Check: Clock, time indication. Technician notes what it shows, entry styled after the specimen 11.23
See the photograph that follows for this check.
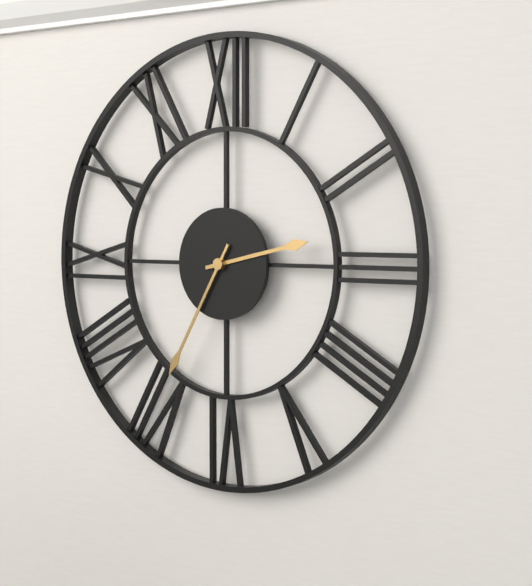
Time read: 2.35
